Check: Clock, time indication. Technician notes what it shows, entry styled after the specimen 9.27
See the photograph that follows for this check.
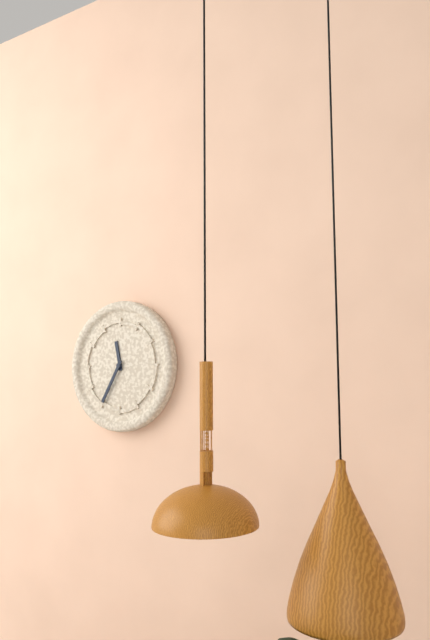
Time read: 11.35
